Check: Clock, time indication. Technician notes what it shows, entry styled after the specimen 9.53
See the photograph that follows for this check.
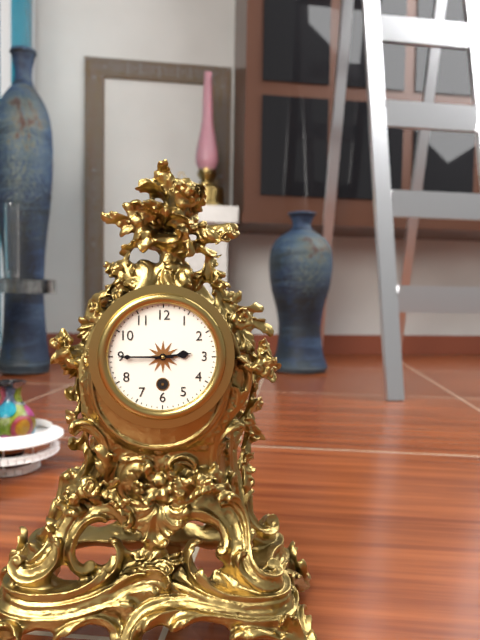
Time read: 2.45
